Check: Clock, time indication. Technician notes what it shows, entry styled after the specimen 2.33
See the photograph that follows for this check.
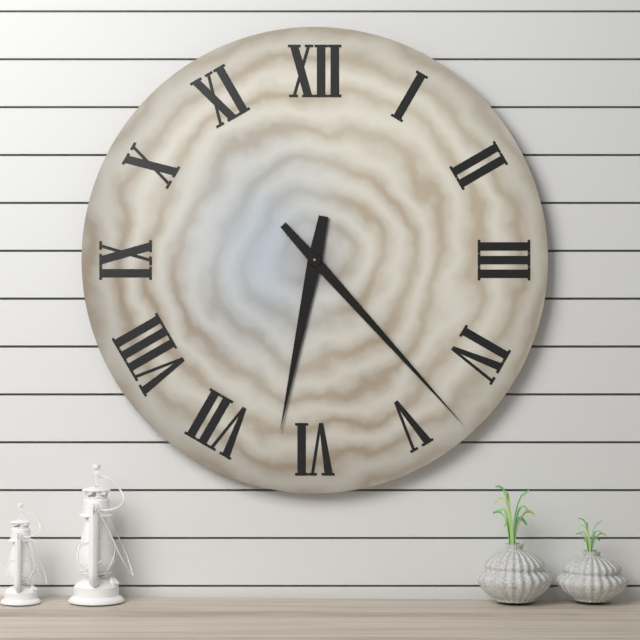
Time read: 6.23
